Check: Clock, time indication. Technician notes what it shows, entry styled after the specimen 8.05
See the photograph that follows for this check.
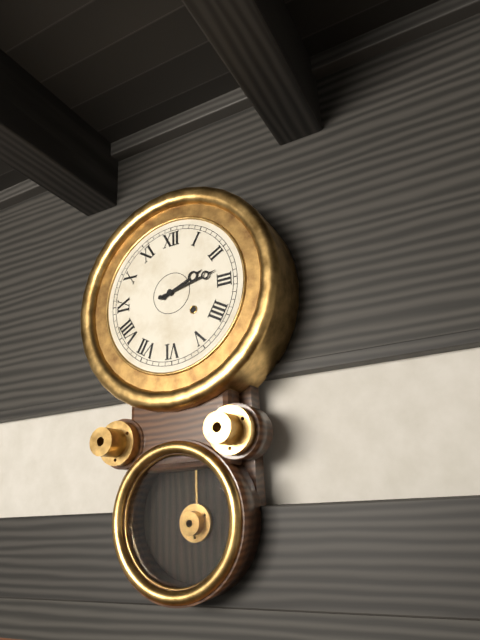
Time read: 2.13
